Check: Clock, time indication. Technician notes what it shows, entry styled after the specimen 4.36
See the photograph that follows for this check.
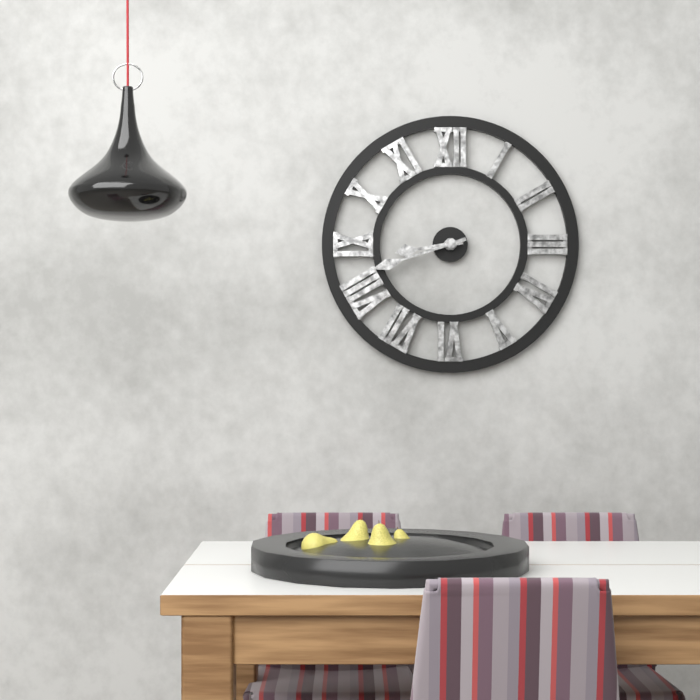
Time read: 8.42
